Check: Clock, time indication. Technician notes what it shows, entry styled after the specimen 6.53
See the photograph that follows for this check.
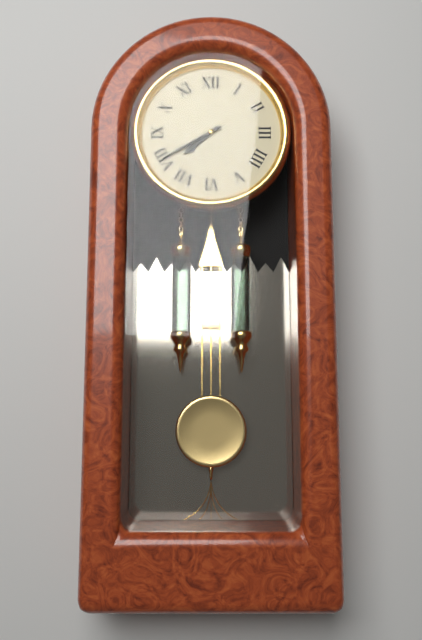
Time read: 7.40
